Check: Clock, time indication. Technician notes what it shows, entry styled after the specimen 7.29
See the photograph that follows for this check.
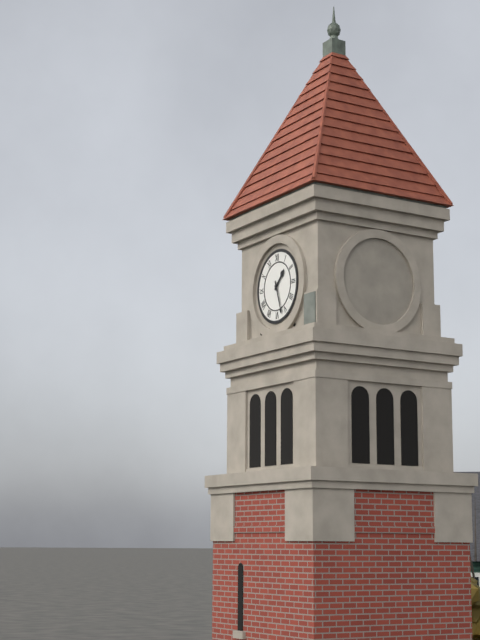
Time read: 1.27
